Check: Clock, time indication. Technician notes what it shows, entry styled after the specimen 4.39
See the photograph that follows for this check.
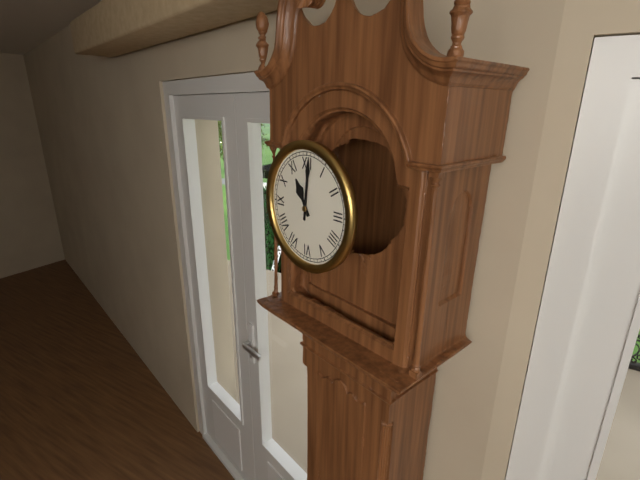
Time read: 11.01
